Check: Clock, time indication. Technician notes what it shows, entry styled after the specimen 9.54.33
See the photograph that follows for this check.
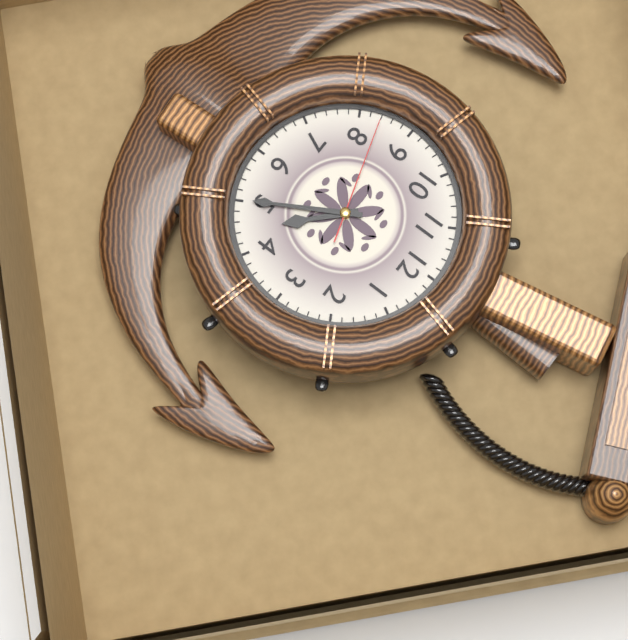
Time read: 4.25.42
